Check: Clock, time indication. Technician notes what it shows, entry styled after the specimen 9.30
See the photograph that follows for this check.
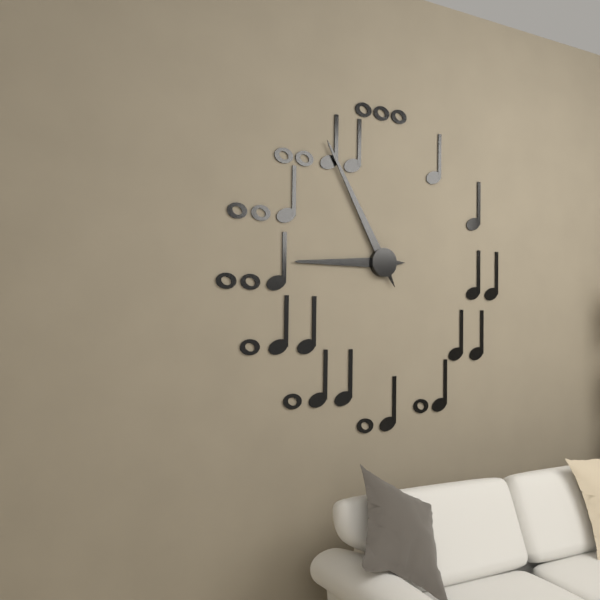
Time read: 8.55
